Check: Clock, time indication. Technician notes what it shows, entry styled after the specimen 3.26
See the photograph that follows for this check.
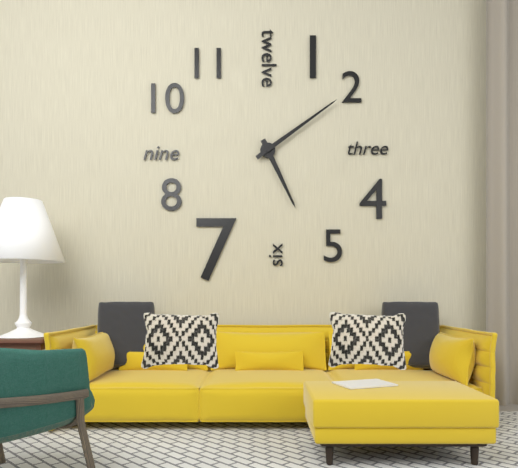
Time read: 5.09
